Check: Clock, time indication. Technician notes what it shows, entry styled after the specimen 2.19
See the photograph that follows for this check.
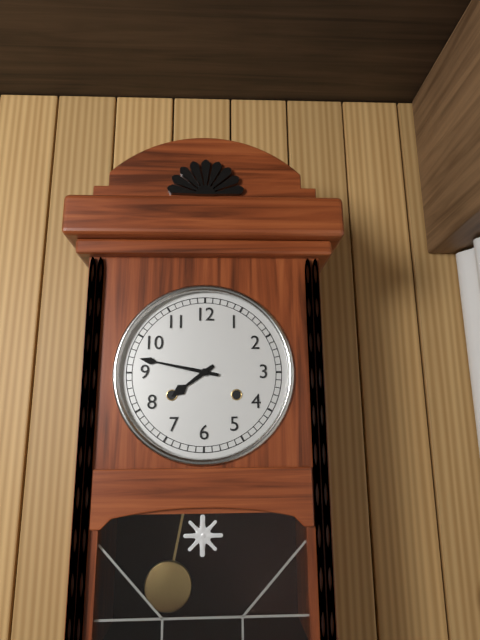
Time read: 7.47
